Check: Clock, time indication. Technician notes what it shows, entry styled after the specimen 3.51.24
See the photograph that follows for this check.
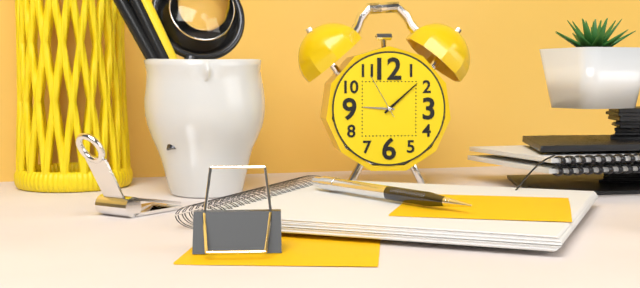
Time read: 9.08.55
